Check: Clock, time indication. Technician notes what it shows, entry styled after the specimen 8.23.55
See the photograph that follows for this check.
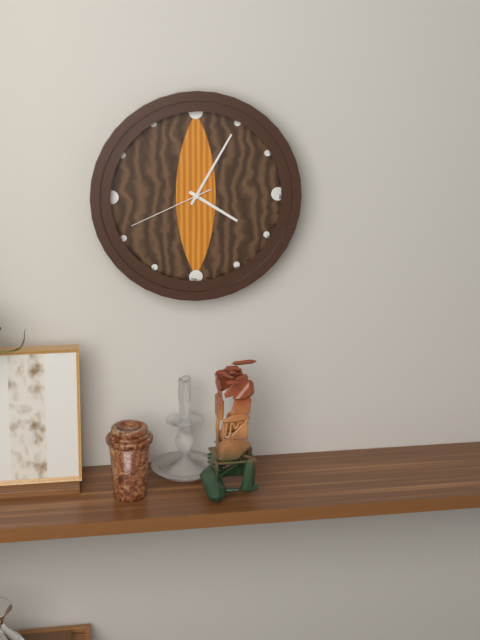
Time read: 4.05.41
